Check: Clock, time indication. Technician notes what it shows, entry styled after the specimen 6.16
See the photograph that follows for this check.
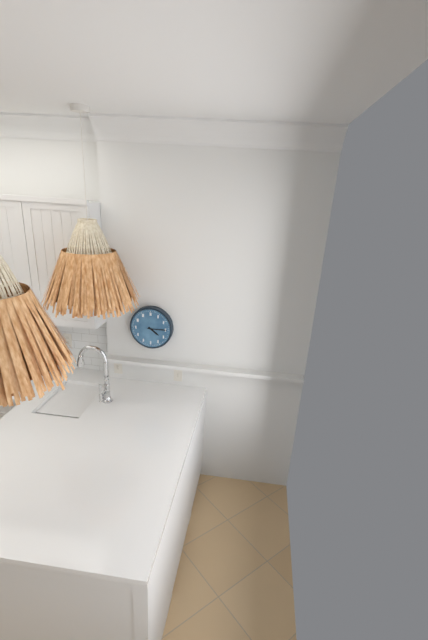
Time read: 4.15
